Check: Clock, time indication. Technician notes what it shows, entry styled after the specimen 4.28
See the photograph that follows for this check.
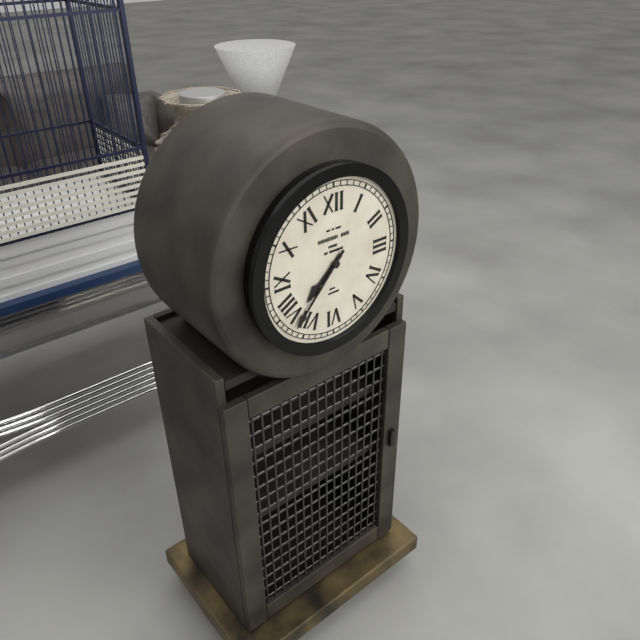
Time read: 7.37
